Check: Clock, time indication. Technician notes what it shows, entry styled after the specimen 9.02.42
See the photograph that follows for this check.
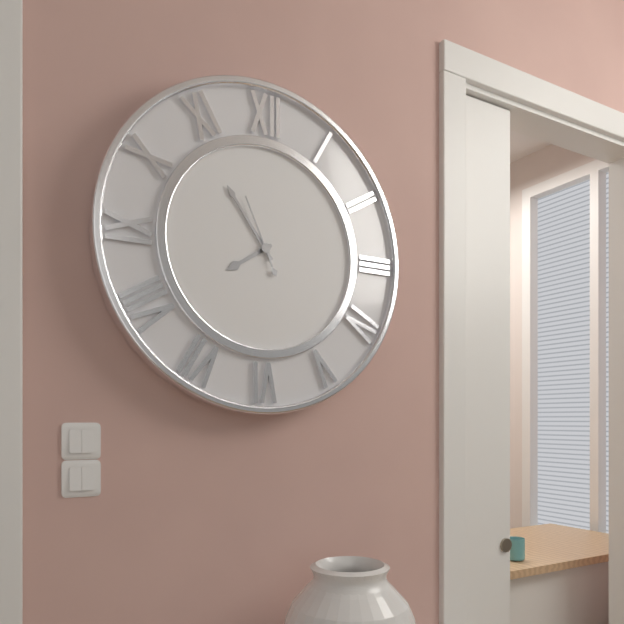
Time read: 7.54.56
